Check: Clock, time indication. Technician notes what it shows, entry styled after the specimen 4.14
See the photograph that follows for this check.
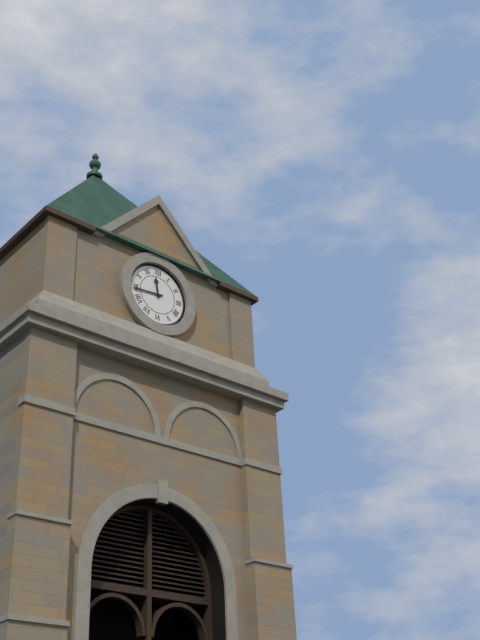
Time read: 11.44
